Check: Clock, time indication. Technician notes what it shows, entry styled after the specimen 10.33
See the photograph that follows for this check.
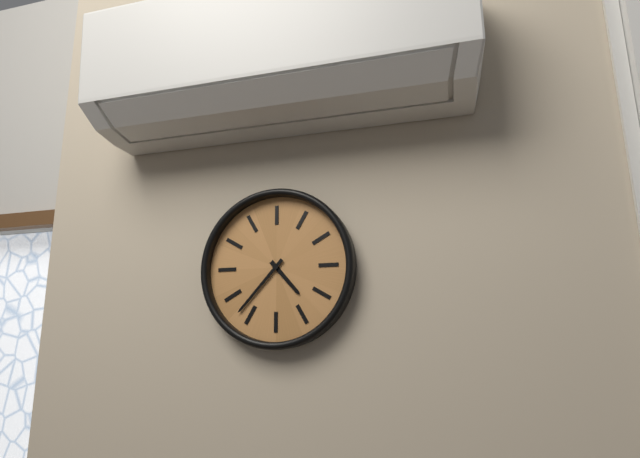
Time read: 4.37
